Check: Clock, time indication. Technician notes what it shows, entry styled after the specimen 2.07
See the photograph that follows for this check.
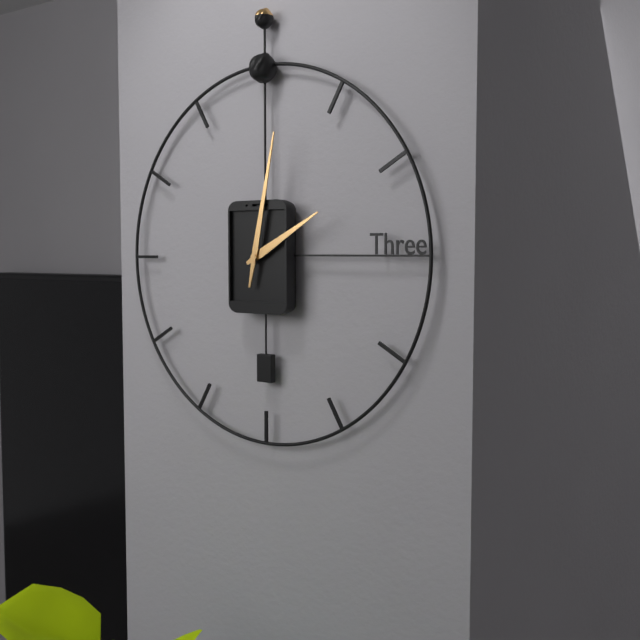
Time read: 2.02
